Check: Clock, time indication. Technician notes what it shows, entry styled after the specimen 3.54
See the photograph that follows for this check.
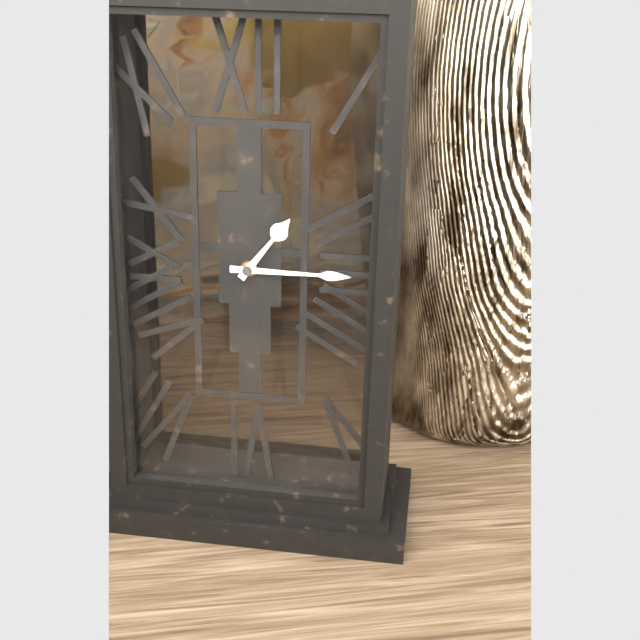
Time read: 1.15
